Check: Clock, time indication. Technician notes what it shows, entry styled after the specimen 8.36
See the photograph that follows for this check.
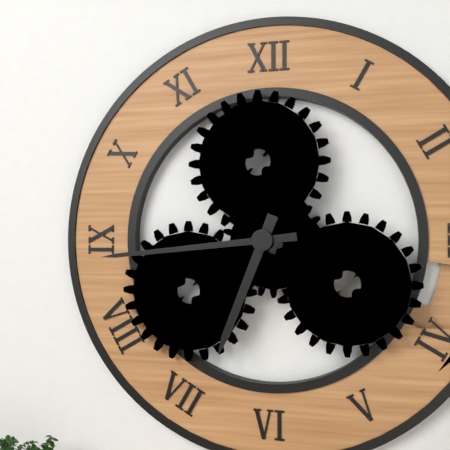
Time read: 6.44
